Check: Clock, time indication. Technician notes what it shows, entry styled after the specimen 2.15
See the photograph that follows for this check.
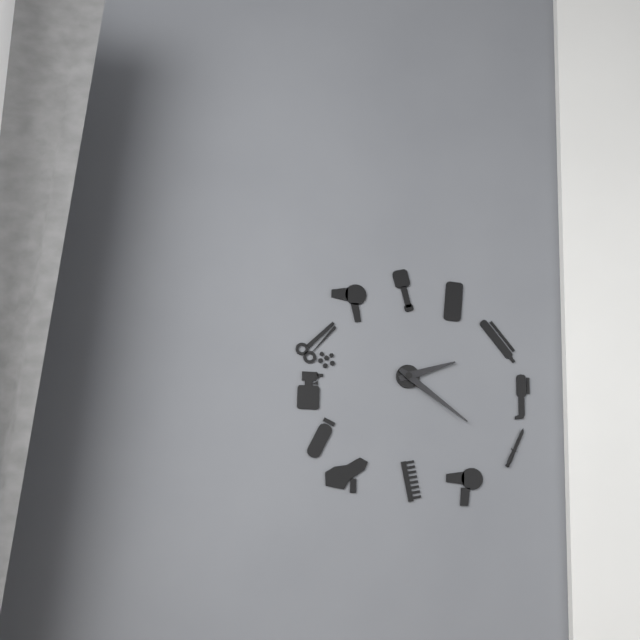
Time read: 2.21
